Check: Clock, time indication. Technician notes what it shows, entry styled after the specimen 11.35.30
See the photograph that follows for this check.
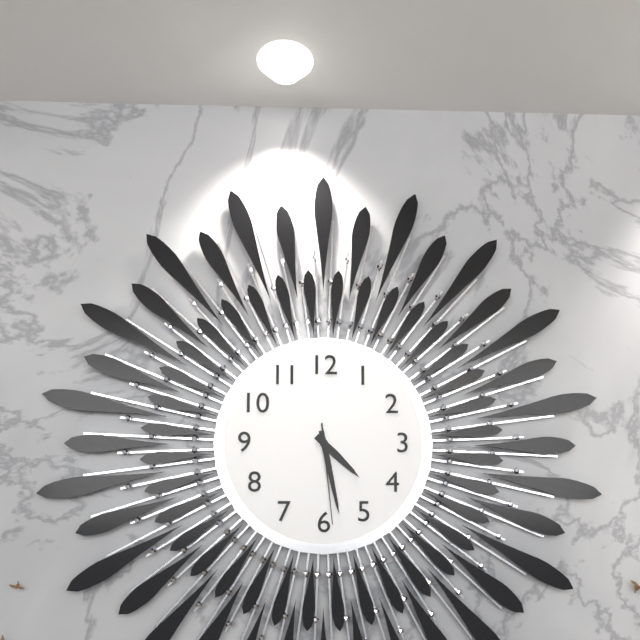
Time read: 4.28.29
